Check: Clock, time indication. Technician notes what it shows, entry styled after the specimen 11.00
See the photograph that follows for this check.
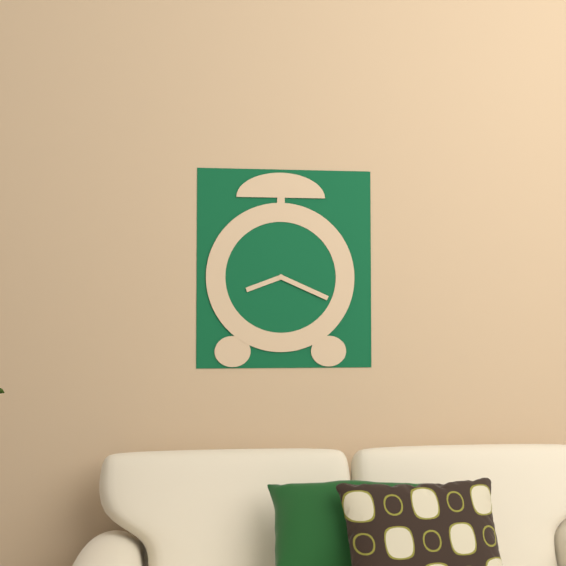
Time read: 8.19
